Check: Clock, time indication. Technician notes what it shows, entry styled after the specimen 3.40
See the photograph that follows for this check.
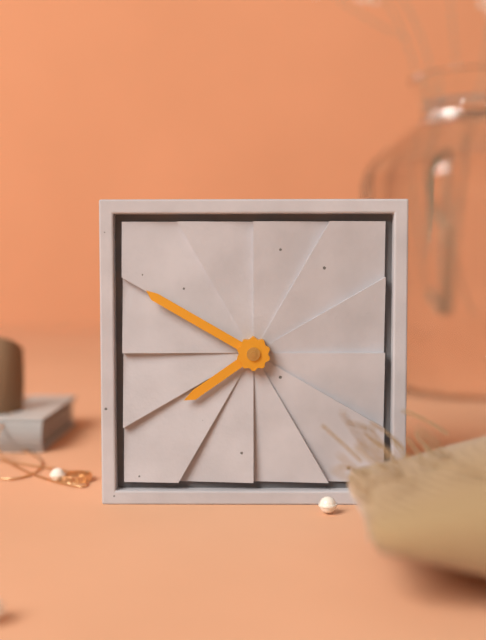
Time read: 7.50
